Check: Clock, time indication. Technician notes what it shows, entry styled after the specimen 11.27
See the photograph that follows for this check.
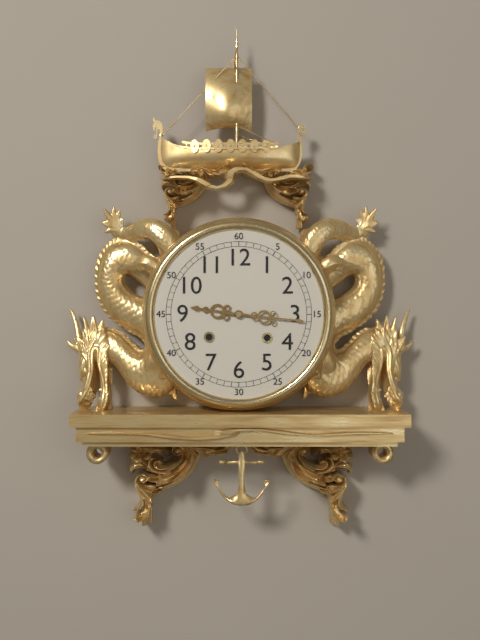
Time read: 9.16
